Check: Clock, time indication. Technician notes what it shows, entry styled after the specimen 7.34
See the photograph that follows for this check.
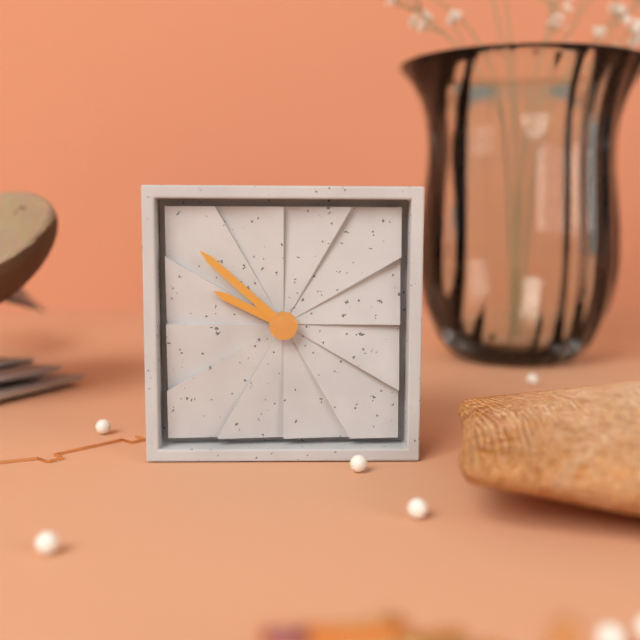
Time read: 9.52
